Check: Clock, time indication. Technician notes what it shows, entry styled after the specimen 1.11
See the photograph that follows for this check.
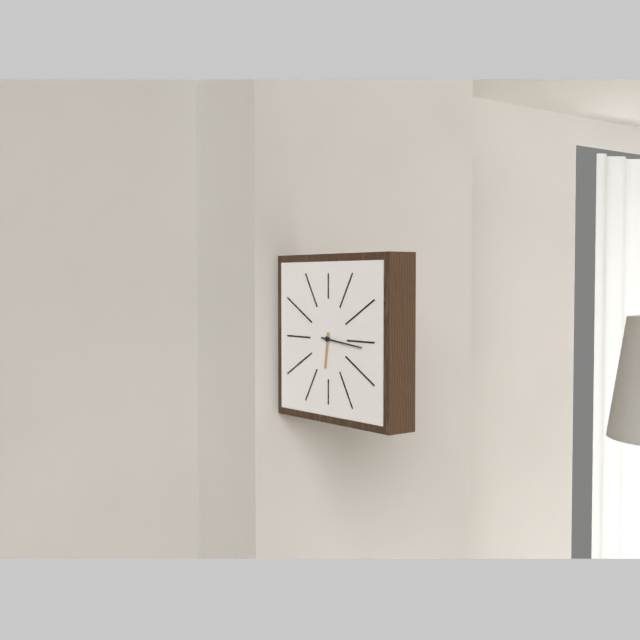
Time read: 6.16
